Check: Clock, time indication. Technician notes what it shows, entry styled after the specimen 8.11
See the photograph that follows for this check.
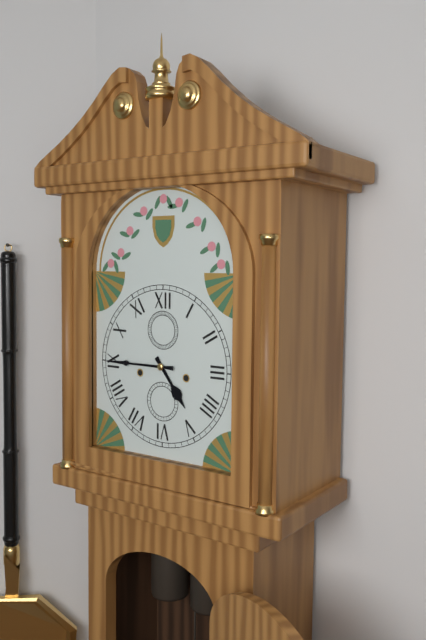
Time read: 4.45
